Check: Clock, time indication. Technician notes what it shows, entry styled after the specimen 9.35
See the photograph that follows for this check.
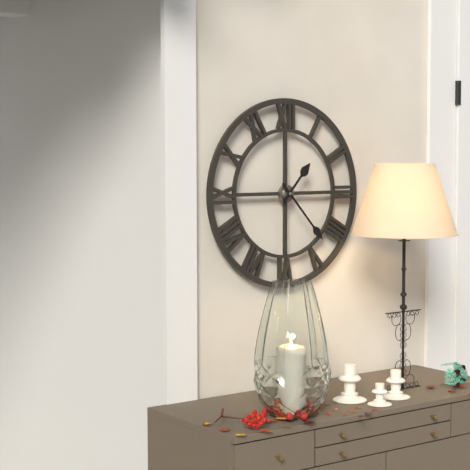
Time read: 1.23
